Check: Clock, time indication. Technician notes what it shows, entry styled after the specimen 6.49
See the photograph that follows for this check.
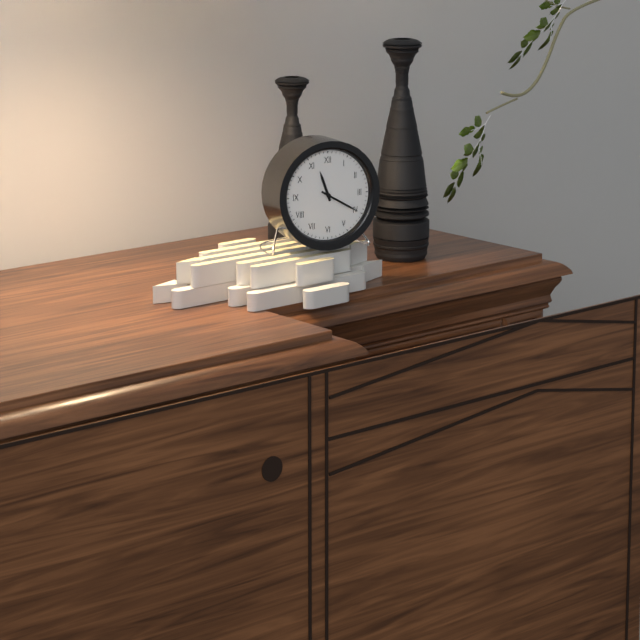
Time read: 11.20
